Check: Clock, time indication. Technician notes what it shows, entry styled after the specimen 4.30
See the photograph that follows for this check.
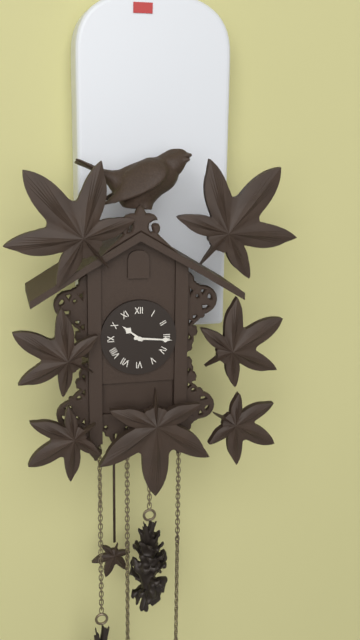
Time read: 10.16
